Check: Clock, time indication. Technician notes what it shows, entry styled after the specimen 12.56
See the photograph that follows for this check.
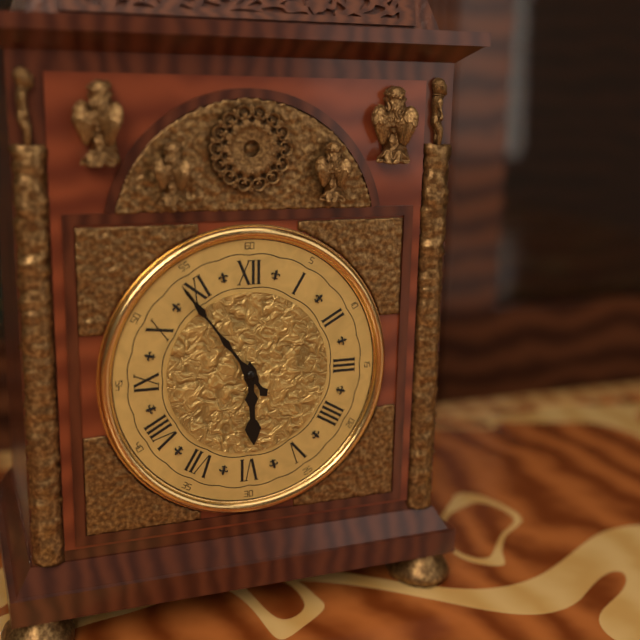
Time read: 5.54
